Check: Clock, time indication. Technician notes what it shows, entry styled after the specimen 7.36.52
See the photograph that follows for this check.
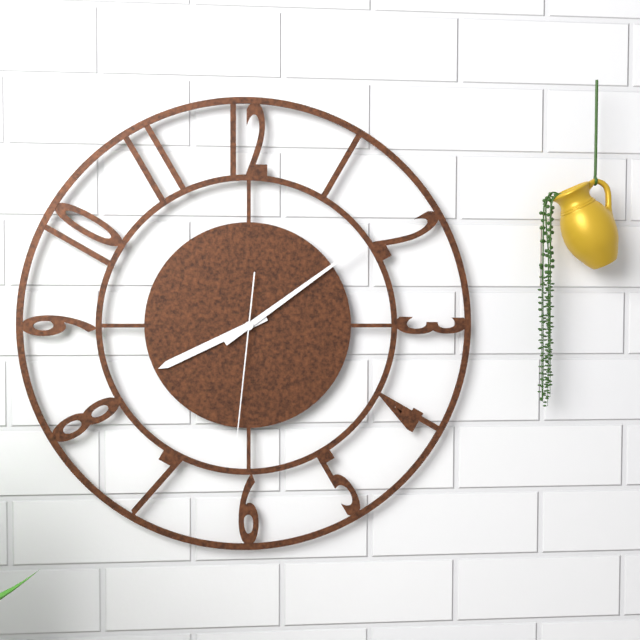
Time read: 8.09.31
